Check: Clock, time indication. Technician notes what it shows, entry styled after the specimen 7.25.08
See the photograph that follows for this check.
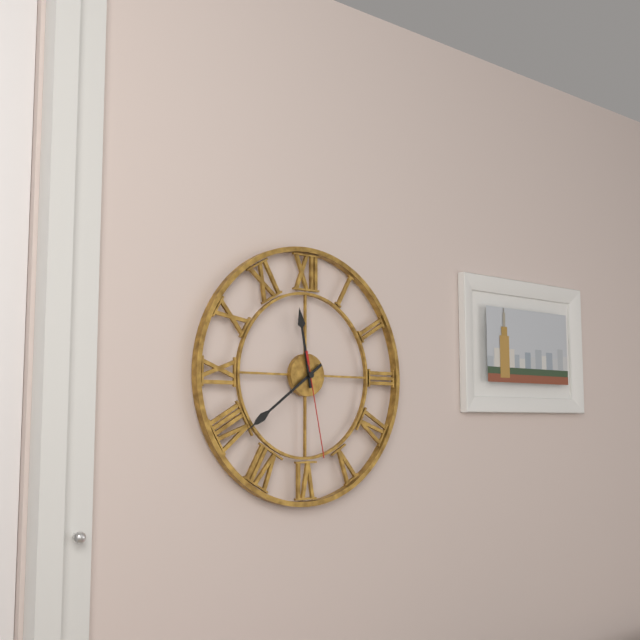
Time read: 11.39.28
